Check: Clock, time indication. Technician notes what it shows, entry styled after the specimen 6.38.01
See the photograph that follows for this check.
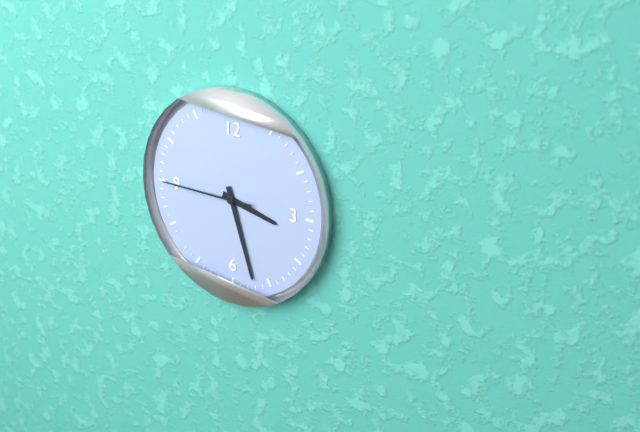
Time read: 3.27.45
